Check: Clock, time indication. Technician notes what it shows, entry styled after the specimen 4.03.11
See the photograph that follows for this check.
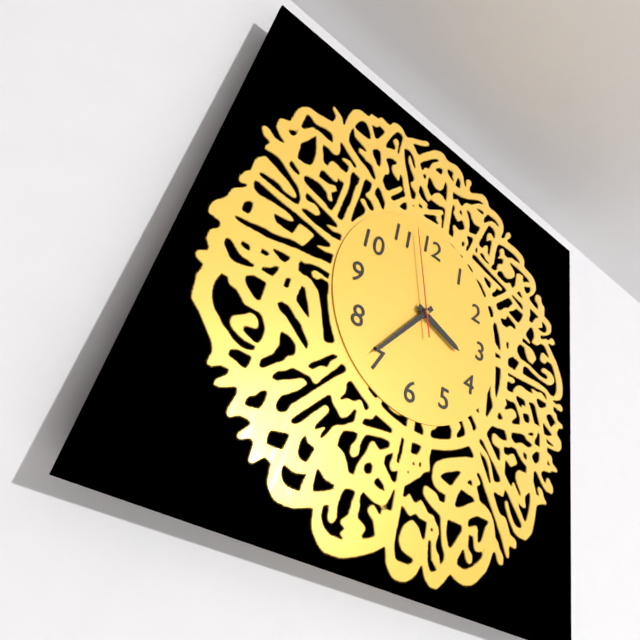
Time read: 3.36.57
